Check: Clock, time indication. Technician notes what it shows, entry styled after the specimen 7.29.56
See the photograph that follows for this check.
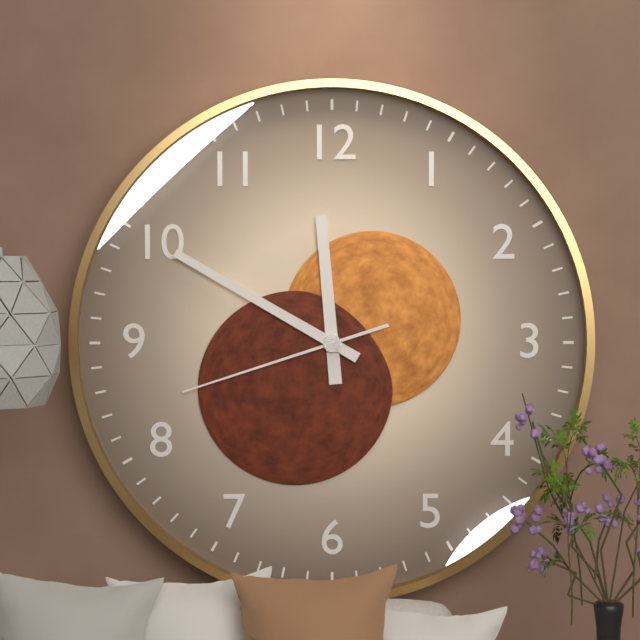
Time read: 11.50.42
